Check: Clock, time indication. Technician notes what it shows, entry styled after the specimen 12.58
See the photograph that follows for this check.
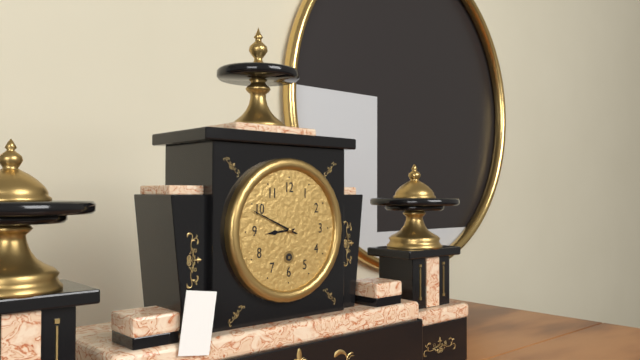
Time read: 8.49
